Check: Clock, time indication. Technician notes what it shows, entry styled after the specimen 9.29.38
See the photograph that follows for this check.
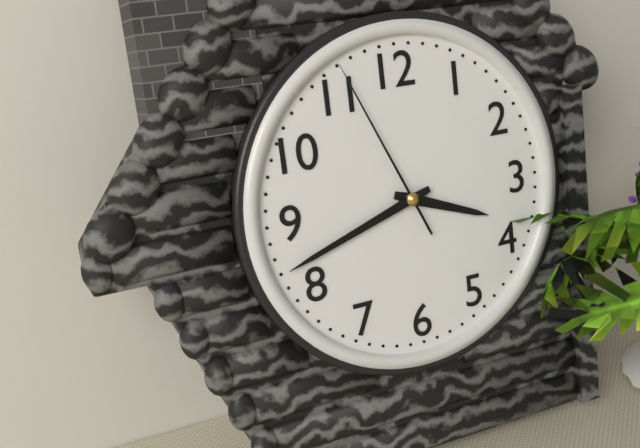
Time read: 3.42.56
